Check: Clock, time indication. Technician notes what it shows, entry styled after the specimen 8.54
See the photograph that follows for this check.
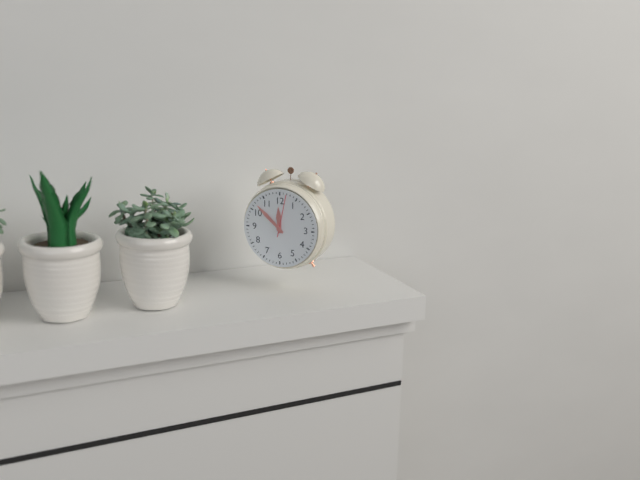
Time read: 11.52
